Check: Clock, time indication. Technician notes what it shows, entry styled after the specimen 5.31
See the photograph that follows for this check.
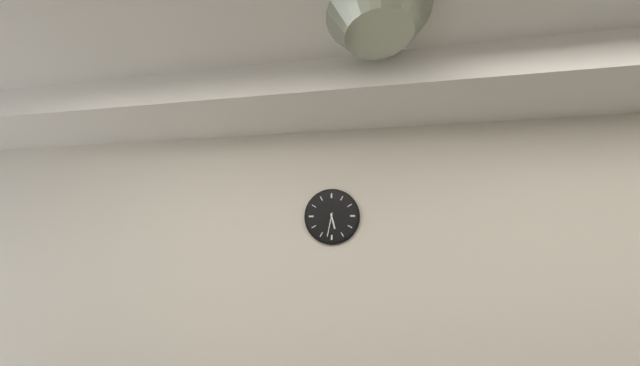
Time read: 5.32
